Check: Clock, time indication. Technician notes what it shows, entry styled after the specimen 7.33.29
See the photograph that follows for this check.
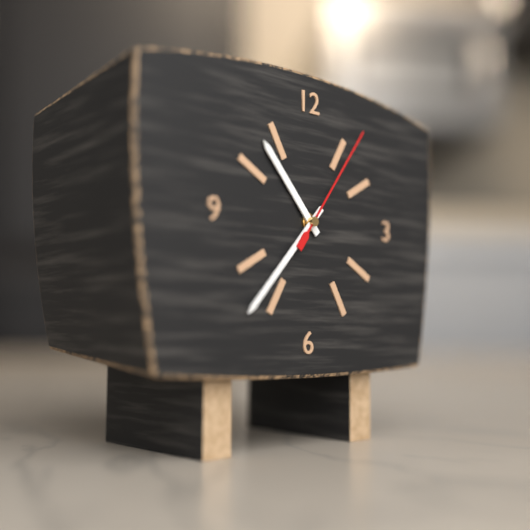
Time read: 10.37.06
